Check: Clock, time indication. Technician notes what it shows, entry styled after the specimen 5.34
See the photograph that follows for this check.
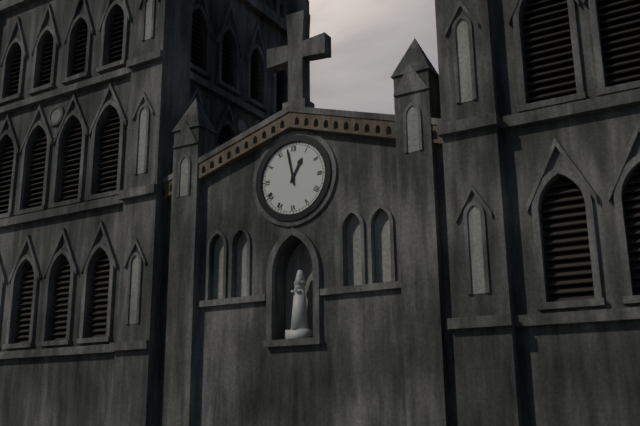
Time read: 12.58
